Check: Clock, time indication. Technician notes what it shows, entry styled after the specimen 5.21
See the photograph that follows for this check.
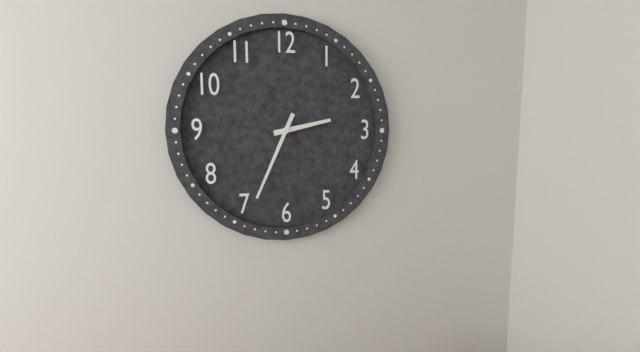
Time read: 2.34
